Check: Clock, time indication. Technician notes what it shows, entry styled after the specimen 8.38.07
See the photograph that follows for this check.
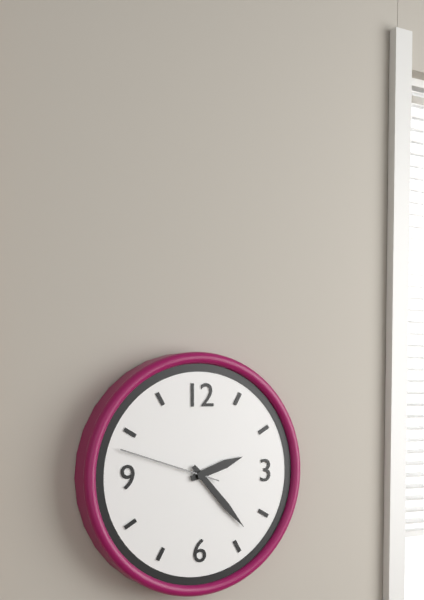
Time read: 2.23.48
